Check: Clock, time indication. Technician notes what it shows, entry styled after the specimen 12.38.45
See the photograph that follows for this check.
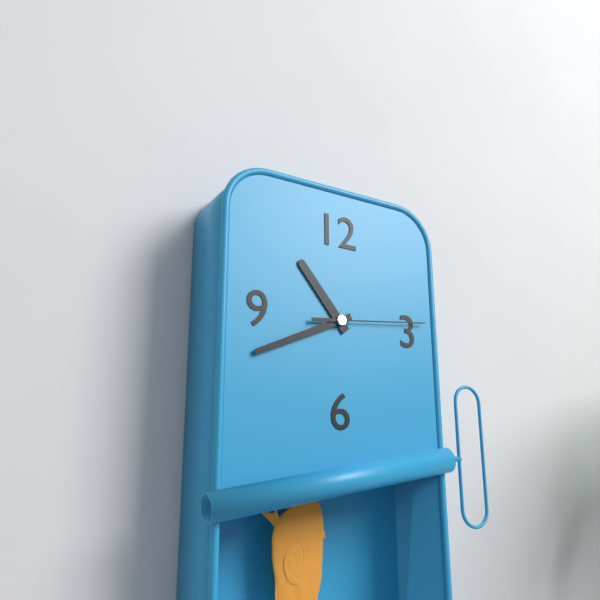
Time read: 10.41.14
